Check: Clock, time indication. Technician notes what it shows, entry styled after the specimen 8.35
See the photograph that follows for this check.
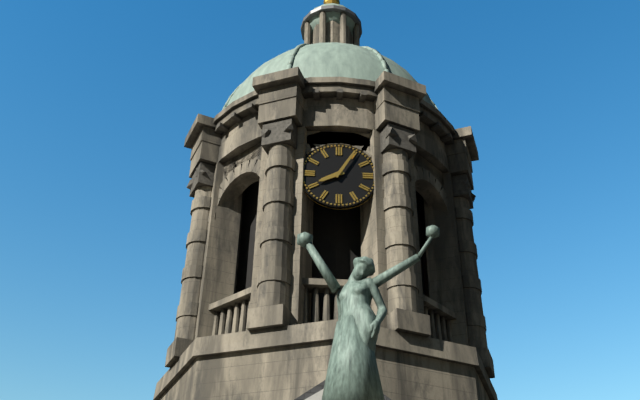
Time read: 8.05
